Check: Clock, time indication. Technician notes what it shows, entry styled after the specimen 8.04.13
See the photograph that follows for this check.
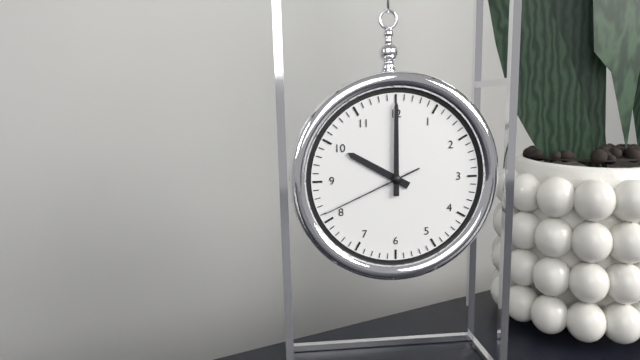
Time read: 10.00.41
